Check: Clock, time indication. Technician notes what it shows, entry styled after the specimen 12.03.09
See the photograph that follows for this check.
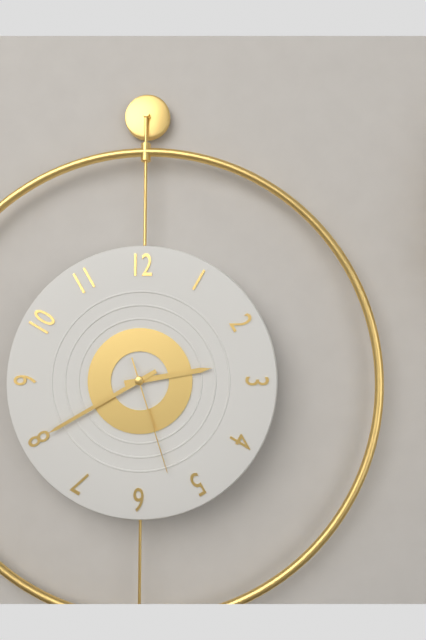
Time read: 2.40.27
